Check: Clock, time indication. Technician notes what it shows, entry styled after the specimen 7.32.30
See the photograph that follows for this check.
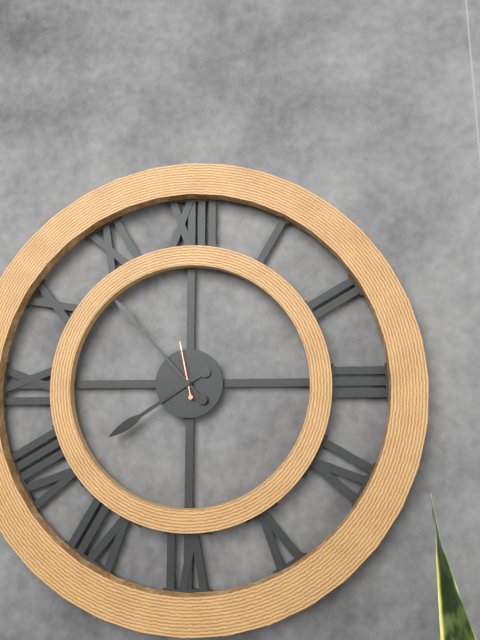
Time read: 7.53.58
